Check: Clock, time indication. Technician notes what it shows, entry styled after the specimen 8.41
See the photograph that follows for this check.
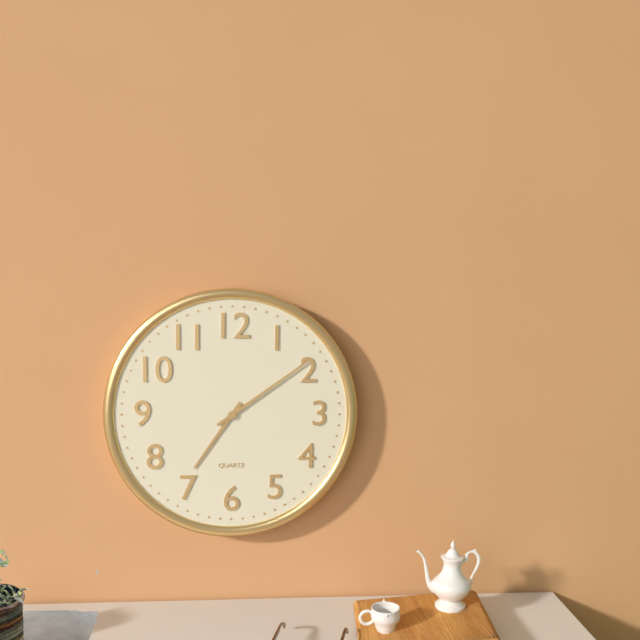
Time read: 7.09
